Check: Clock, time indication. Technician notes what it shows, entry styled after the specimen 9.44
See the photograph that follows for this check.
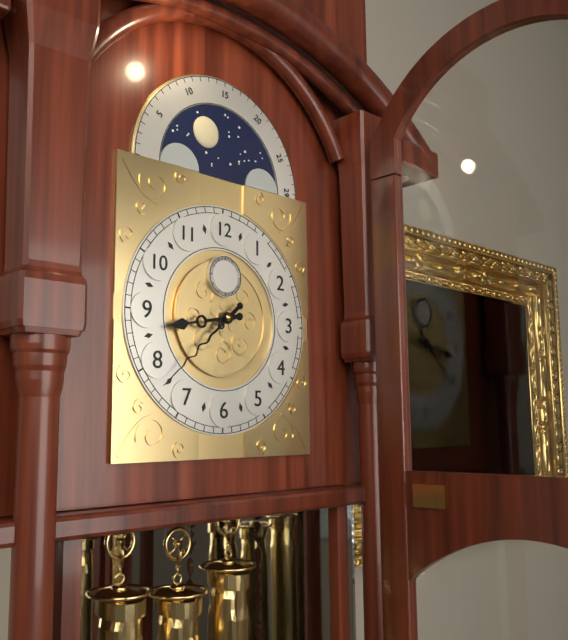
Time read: 8.38
